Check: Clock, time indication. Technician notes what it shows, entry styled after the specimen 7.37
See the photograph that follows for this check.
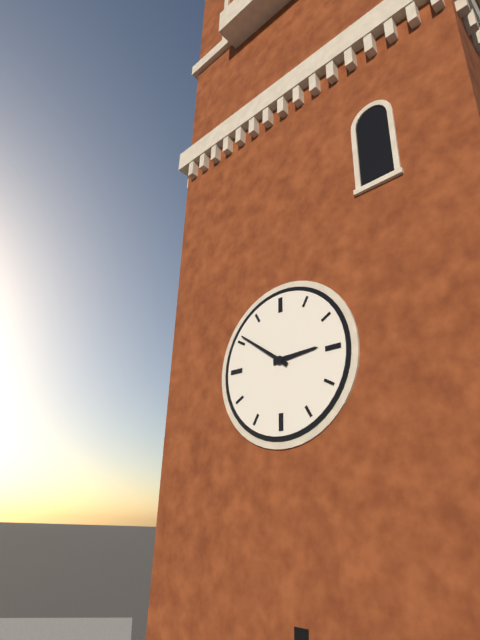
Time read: 2.51
